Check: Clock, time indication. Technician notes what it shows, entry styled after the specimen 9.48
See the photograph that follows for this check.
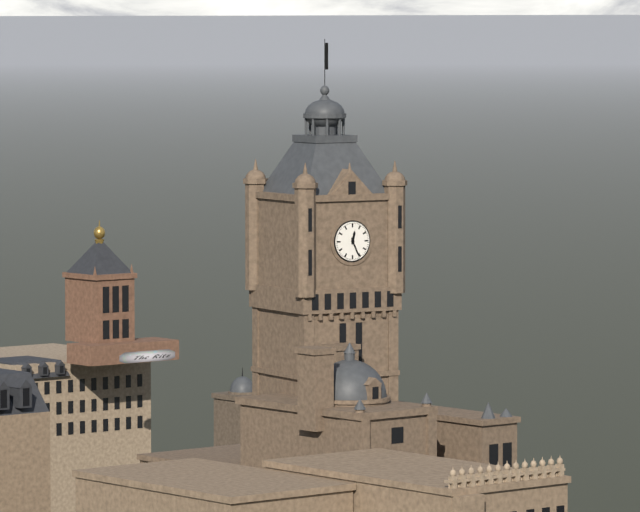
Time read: 12.26
